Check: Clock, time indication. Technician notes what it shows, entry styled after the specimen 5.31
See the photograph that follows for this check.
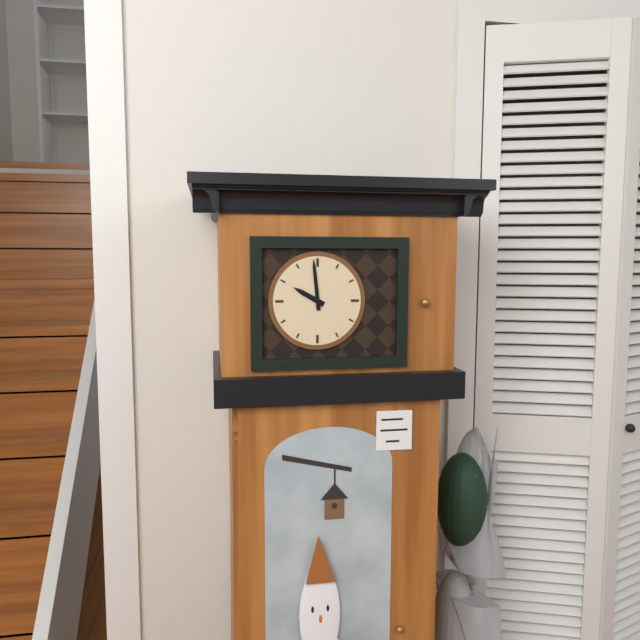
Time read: 9.59
